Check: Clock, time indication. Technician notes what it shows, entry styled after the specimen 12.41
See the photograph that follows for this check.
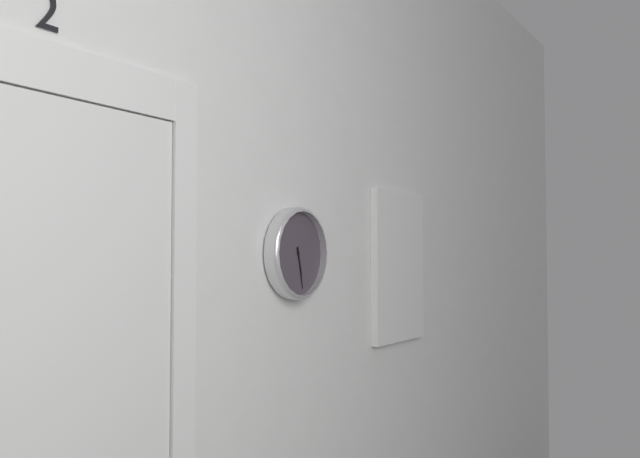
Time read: 5.28
